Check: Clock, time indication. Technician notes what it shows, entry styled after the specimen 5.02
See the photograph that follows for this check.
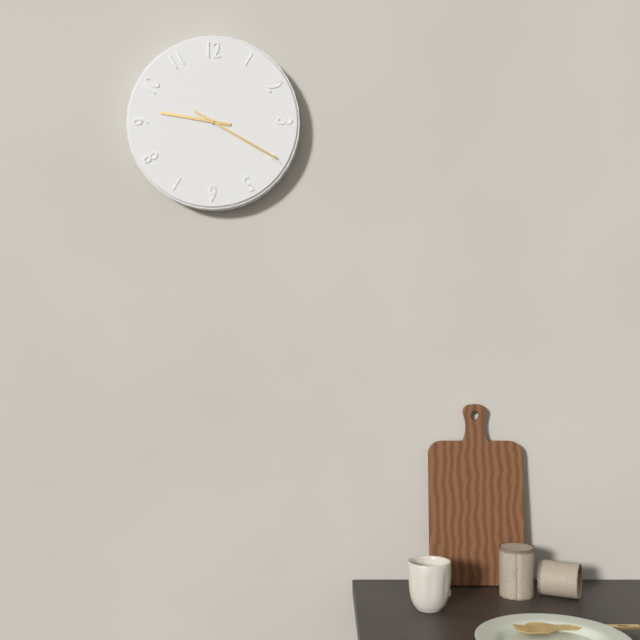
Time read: 9.20
